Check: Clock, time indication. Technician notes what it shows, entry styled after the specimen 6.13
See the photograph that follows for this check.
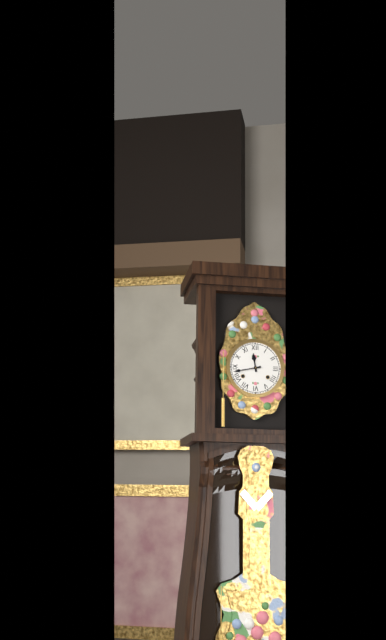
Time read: 11.43
